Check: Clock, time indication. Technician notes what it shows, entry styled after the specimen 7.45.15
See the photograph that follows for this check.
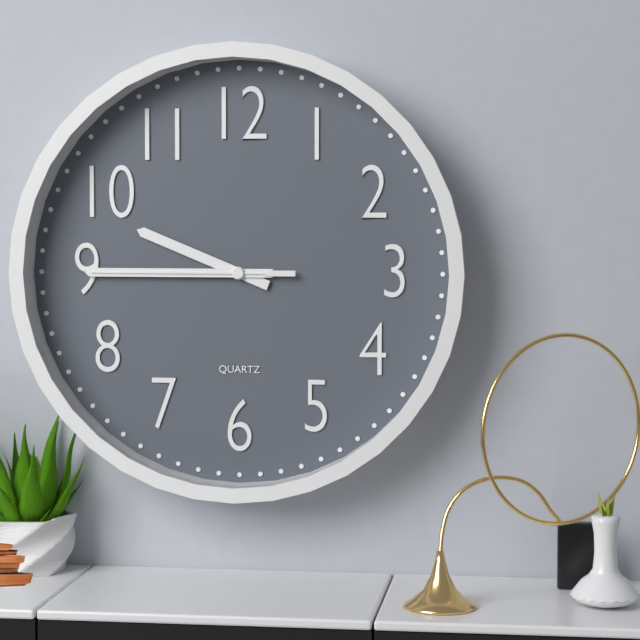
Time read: 9.45.45
